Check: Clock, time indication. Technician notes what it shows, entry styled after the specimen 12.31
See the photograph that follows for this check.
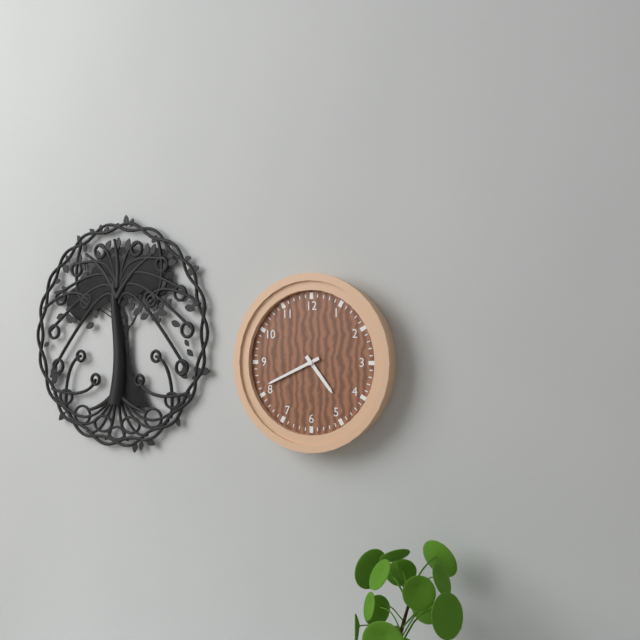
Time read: 4.41
